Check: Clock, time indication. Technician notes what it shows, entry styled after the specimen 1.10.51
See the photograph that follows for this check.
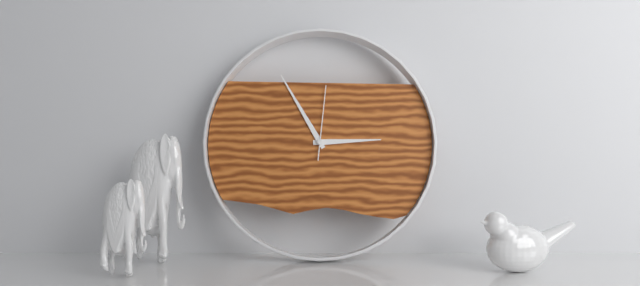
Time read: 2.55.01
